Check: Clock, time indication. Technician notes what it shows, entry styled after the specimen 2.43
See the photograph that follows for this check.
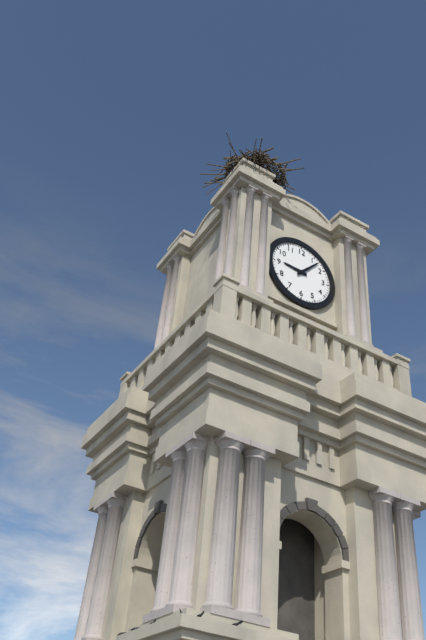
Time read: 9.07
